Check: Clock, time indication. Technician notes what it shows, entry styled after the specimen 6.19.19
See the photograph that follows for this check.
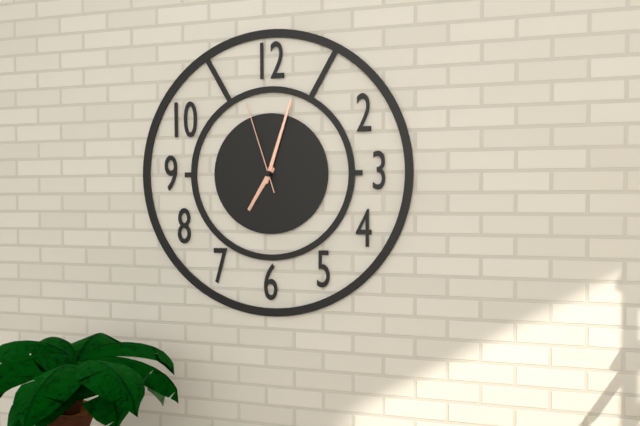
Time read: 7.03.57
